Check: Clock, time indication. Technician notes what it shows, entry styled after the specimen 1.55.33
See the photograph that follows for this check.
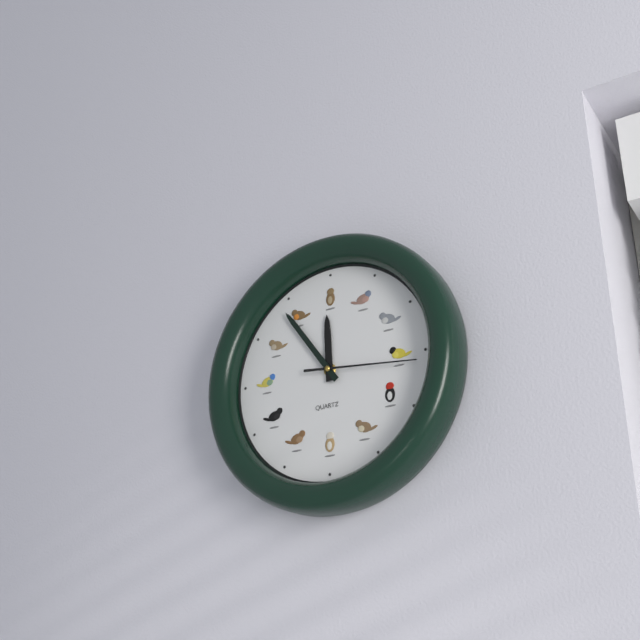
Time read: 11.54.16
